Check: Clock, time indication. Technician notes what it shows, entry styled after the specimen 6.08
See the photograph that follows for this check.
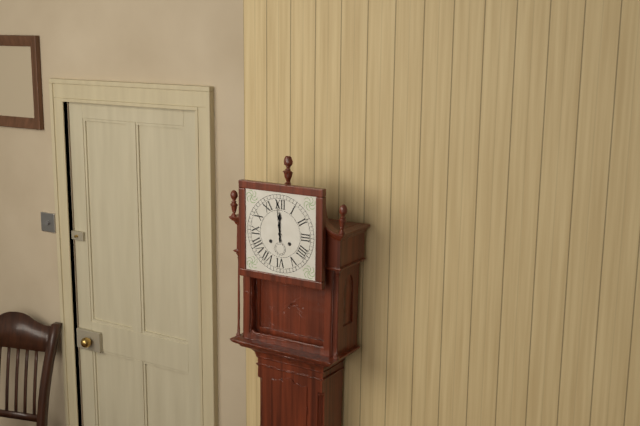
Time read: 11.59
